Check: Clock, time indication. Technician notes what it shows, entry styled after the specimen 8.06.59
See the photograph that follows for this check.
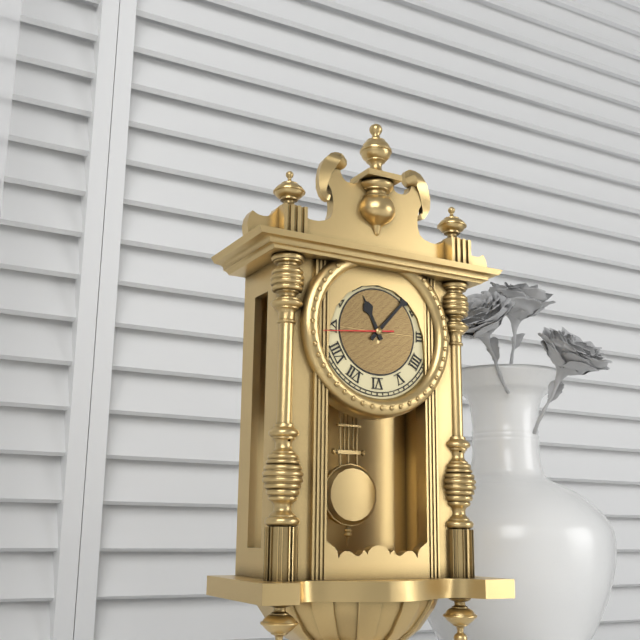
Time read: 11.07.44
